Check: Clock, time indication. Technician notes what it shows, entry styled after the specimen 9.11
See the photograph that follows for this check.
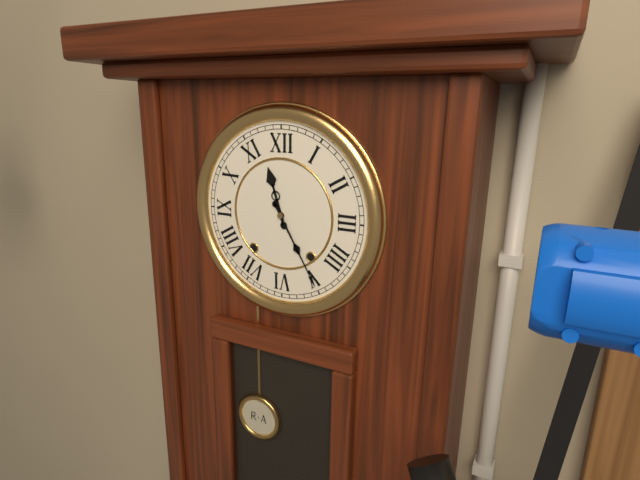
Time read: 11.25
